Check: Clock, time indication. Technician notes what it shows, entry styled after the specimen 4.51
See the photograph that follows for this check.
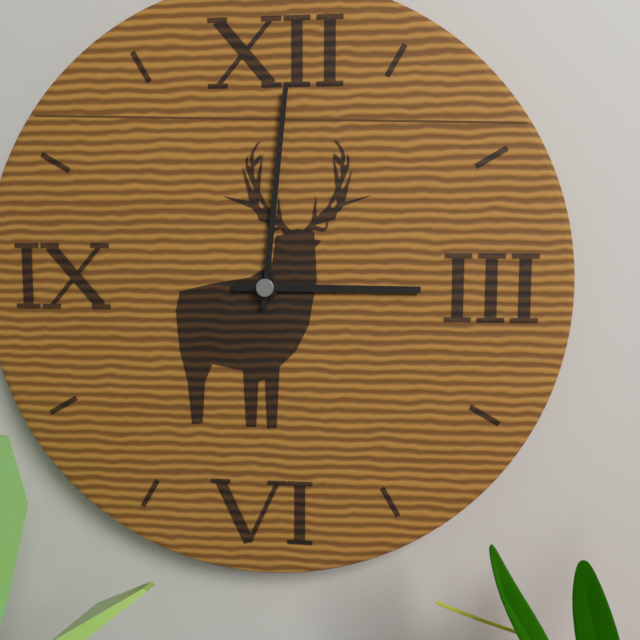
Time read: 3.01
